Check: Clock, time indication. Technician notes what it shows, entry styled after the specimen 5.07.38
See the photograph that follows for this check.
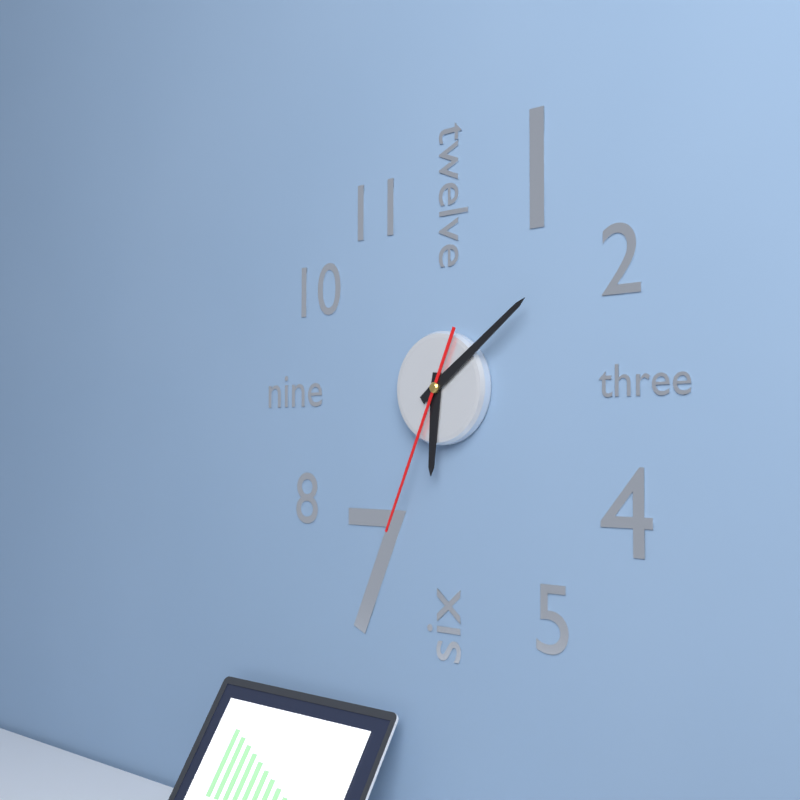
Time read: 6.09.34
